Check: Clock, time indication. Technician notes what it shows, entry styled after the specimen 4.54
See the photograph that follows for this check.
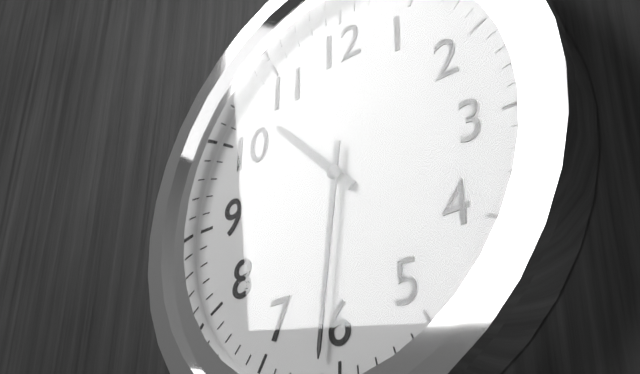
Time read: 10.31
